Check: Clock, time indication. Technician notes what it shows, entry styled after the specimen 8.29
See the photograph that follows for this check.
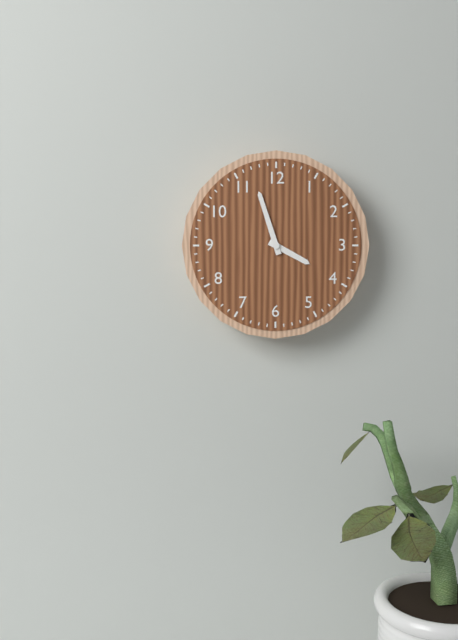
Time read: 3.57
